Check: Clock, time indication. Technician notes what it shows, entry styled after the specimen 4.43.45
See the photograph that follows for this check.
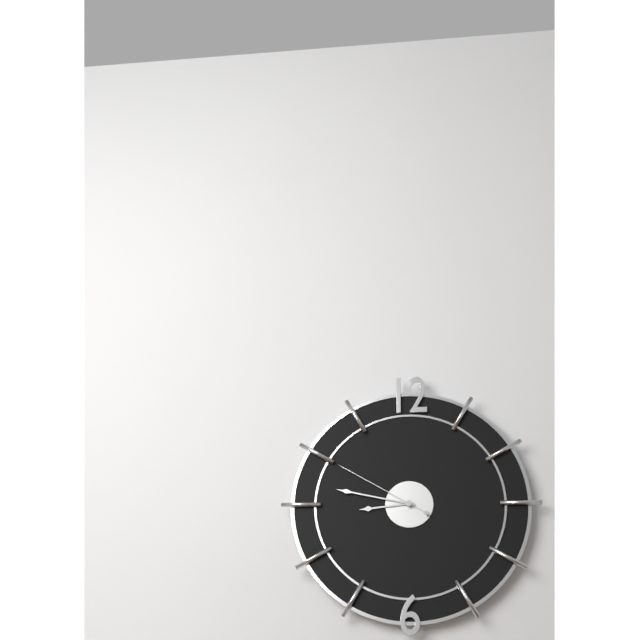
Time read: 8.47.50
